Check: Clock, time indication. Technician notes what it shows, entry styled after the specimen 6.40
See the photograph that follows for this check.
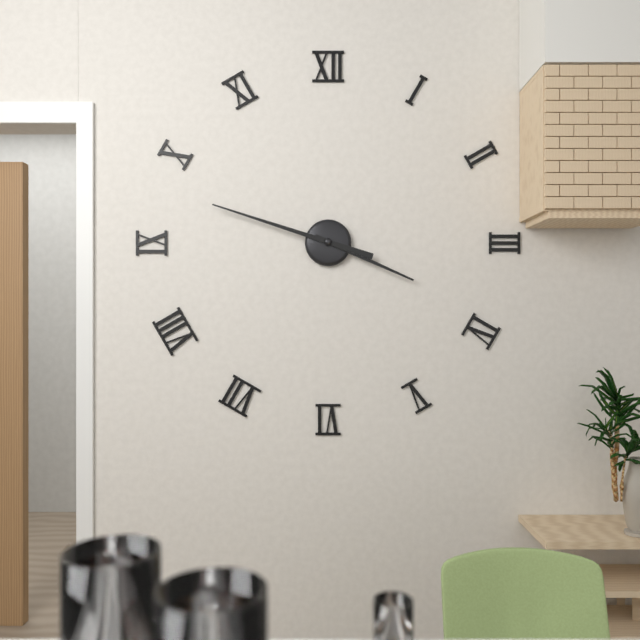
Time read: 3.48
